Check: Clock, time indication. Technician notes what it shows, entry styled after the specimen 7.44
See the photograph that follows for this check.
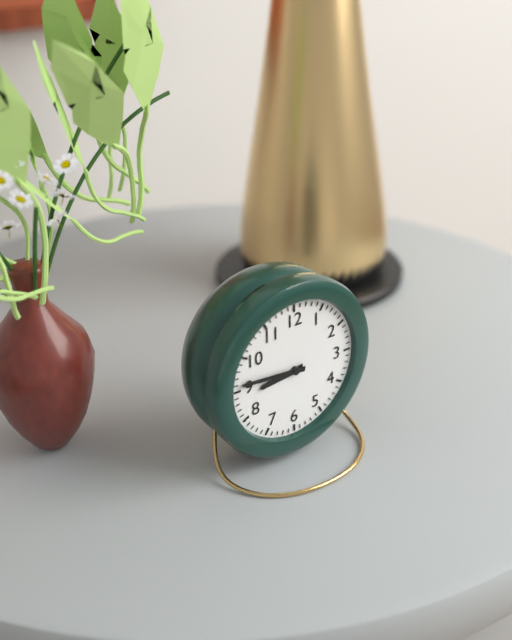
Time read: 8.46
